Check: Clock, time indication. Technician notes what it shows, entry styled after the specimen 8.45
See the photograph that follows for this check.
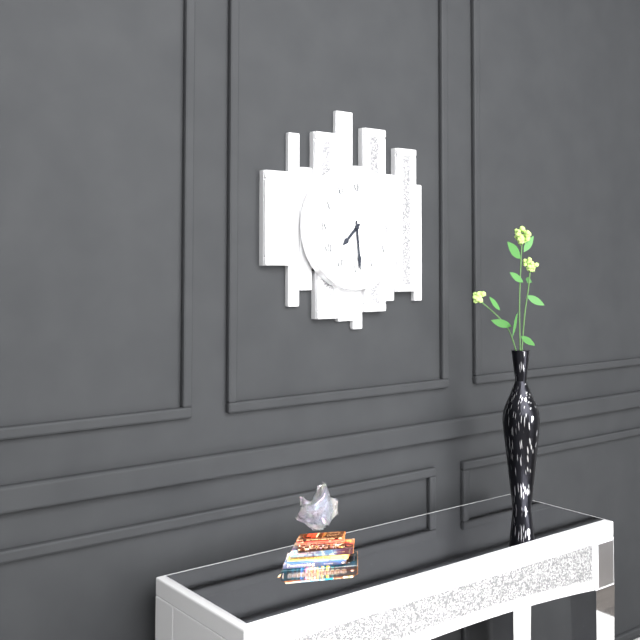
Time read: 7.29
